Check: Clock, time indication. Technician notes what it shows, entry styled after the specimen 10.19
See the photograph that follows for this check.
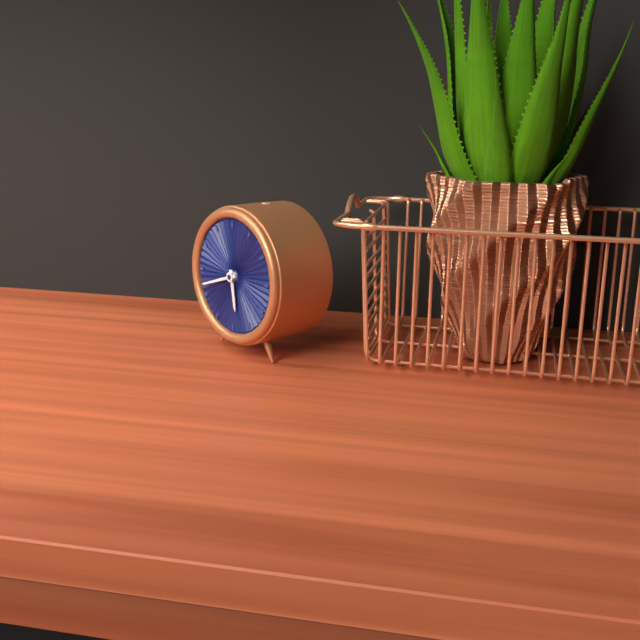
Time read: 5.42
